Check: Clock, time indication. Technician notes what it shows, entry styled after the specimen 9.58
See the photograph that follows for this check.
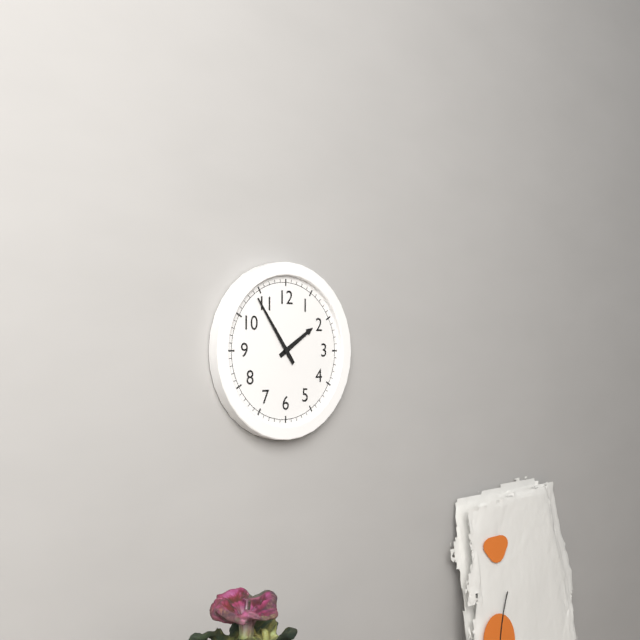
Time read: 1.54
